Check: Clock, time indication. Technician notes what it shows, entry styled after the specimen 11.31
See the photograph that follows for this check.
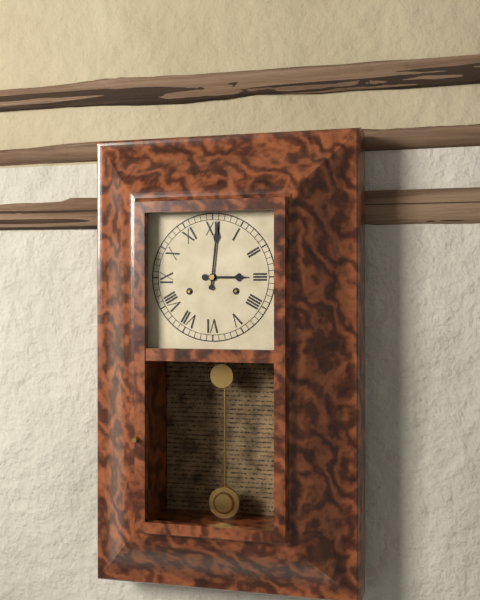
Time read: 3.01
